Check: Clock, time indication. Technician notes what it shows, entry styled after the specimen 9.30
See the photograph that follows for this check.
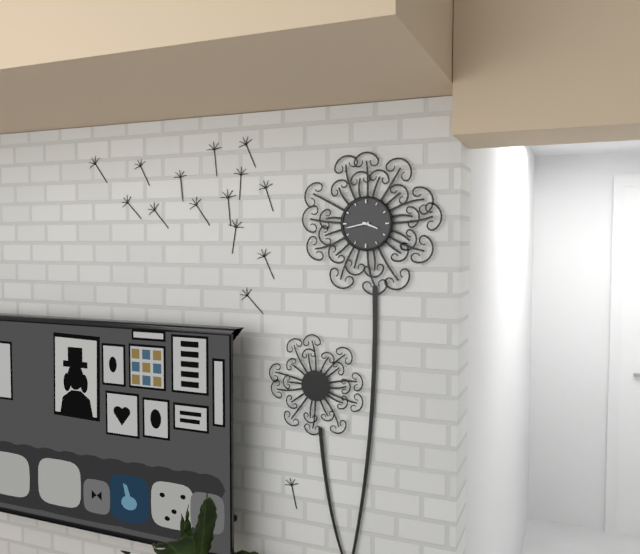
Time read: 3.43
